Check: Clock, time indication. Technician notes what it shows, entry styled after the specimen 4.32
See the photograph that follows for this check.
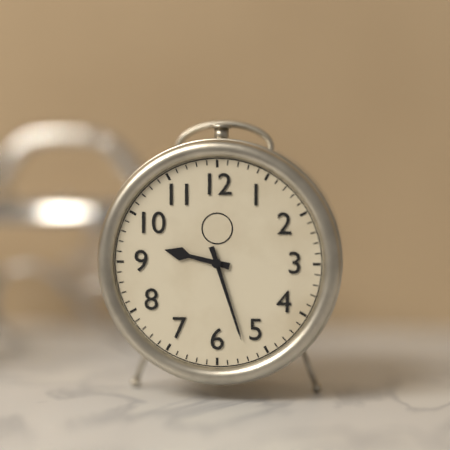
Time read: 9.27
